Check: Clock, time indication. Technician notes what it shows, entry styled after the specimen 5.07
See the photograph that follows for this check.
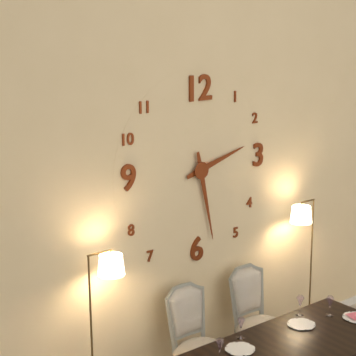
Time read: 2.28
